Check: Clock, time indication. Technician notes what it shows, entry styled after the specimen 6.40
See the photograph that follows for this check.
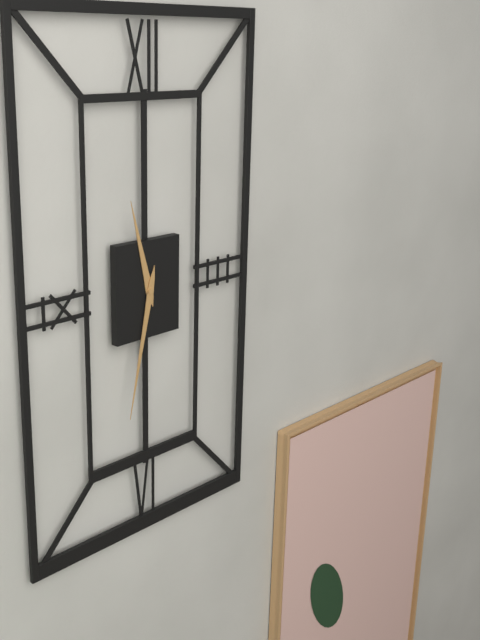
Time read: 11.32
